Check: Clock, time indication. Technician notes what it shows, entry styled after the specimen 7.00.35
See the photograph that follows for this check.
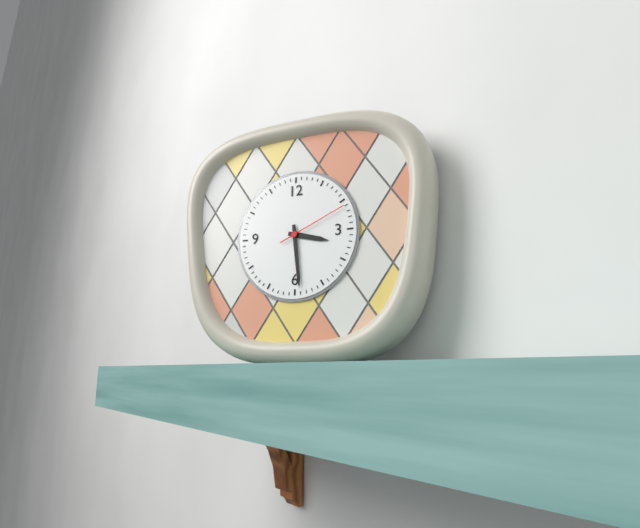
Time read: 3.29.11
